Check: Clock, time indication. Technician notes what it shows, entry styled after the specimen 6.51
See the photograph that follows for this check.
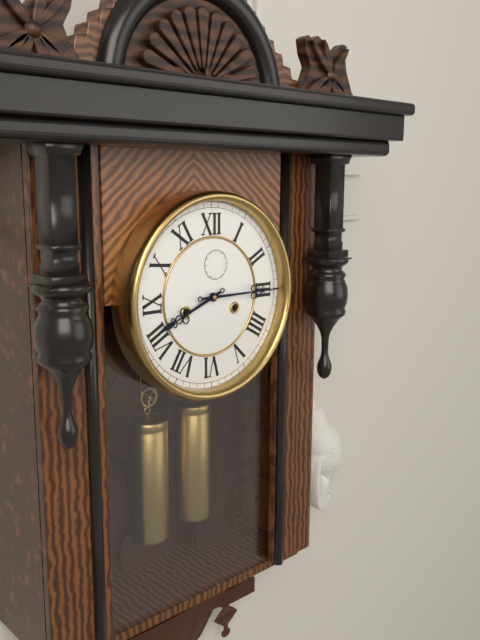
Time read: 8.15
